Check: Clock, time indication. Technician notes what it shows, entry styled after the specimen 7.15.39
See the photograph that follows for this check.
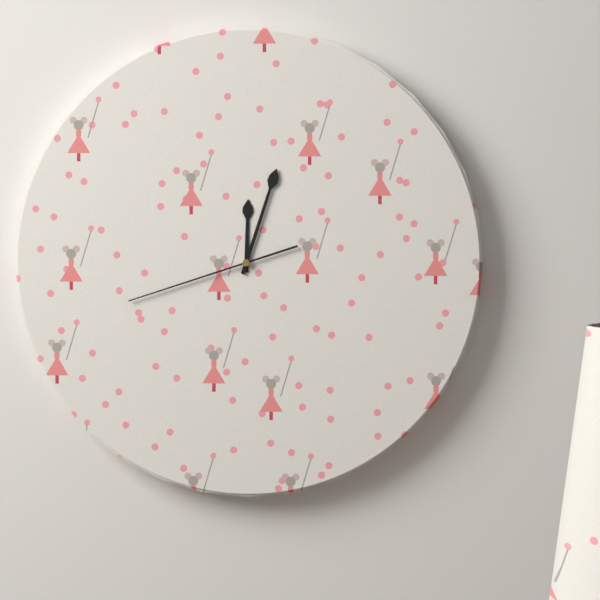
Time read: 12.03.42
